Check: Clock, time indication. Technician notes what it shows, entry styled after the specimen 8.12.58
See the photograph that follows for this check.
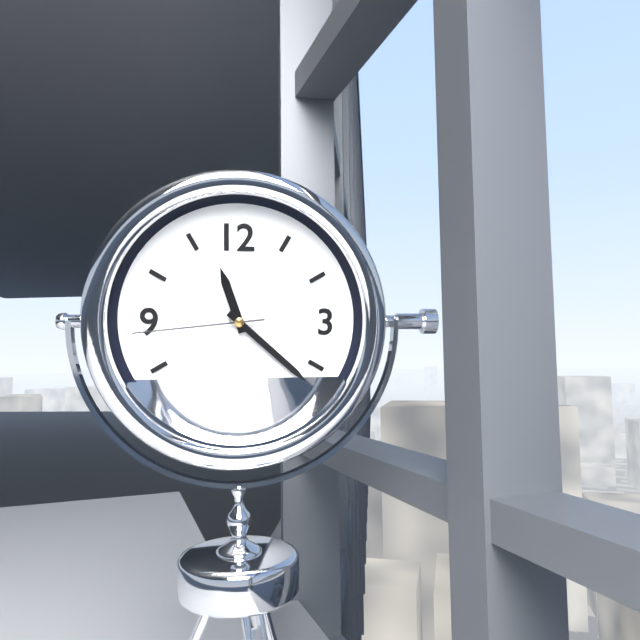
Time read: 11.22.44
